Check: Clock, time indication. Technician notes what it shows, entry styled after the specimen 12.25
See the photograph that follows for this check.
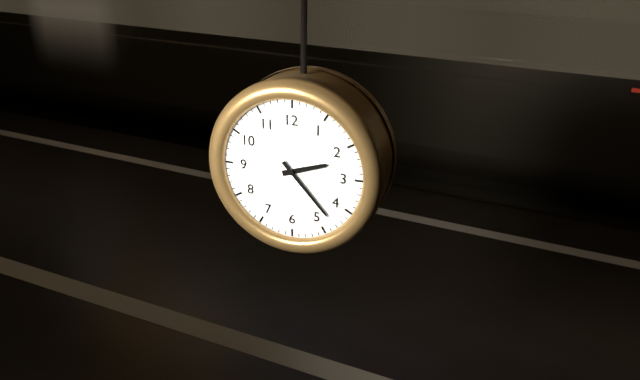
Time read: 2.23
